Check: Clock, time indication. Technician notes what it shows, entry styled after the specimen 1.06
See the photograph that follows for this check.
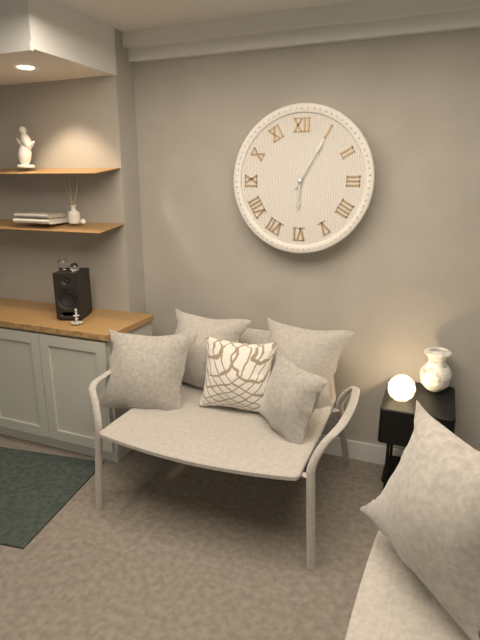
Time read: 6.05
